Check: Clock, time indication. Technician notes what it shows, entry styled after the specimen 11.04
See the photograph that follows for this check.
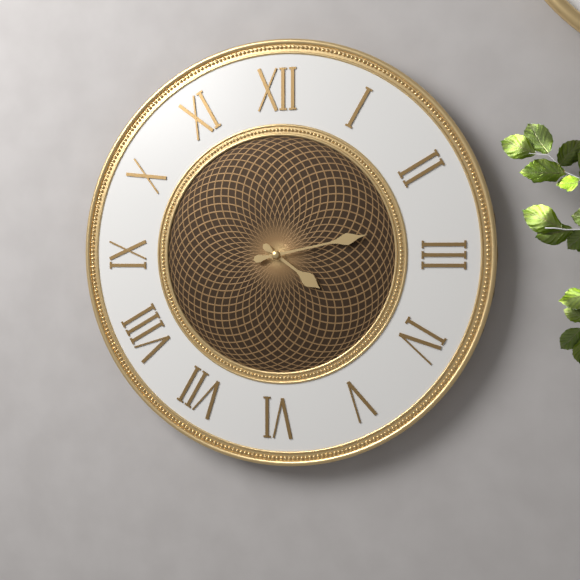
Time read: 4.13
